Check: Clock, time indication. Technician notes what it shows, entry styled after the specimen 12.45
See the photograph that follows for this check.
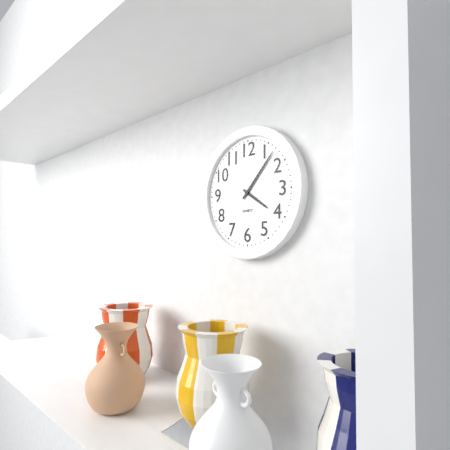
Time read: 4.07
